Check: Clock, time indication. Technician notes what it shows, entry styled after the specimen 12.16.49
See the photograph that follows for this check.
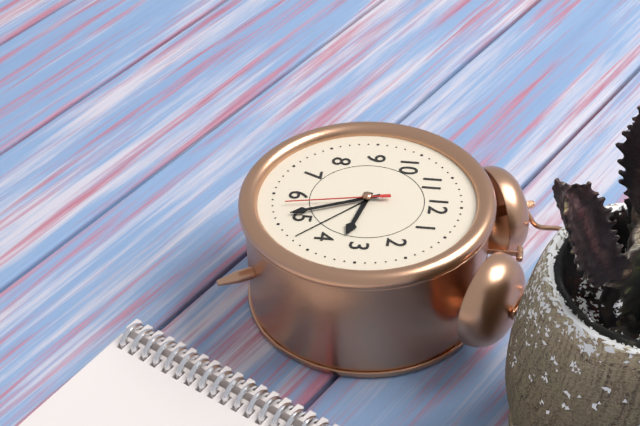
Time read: 3.26.28
